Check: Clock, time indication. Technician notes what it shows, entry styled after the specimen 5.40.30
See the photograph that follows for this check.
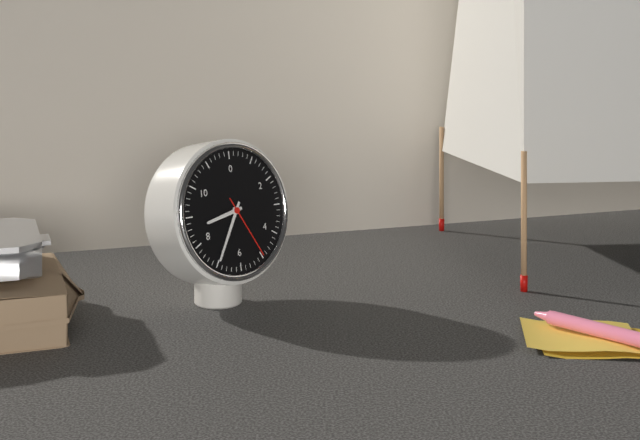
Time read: 8.35.25
